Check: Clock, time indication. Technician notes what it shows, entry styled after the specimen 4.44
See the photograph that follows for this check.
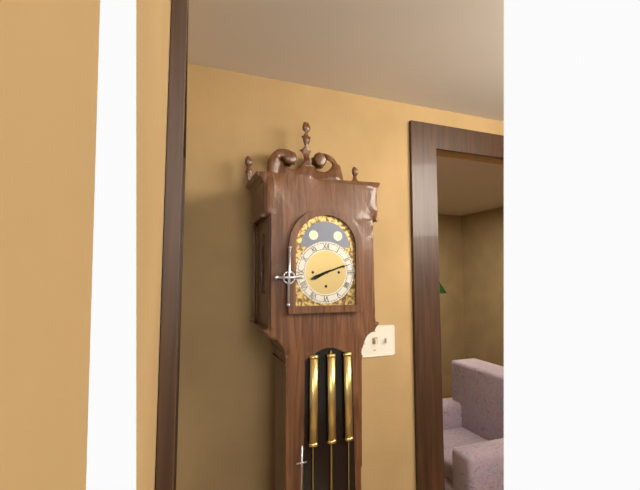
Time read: 8.12
